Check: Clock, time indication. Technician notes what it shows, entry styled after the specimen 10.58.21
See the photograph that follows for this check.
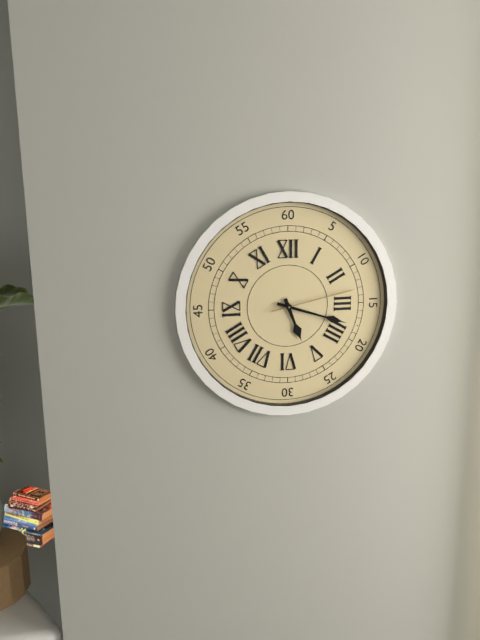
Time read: 5.18.13
